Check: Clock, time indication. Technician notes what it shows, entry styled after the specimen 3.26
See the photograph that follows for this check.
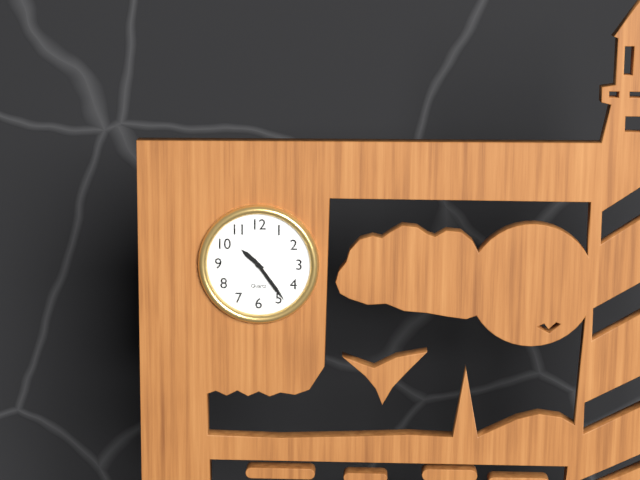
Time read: 10.24
